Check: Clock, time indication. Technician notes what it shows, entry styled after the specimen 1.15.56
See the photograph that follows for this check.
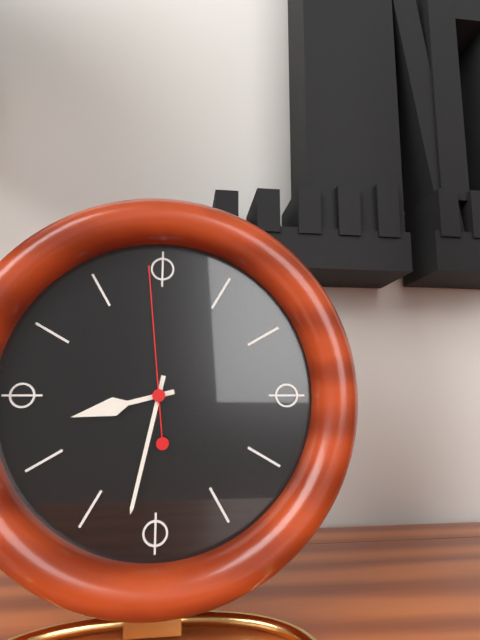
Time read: 8.32.59
